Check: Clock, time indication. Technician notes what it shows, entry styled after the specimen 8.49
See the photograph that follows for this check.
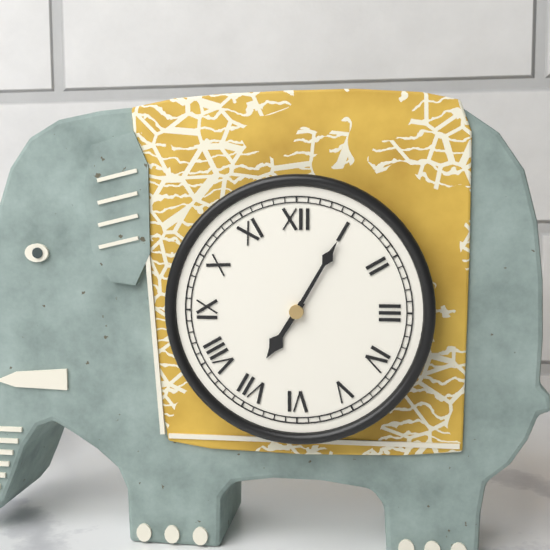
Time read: 7.05
